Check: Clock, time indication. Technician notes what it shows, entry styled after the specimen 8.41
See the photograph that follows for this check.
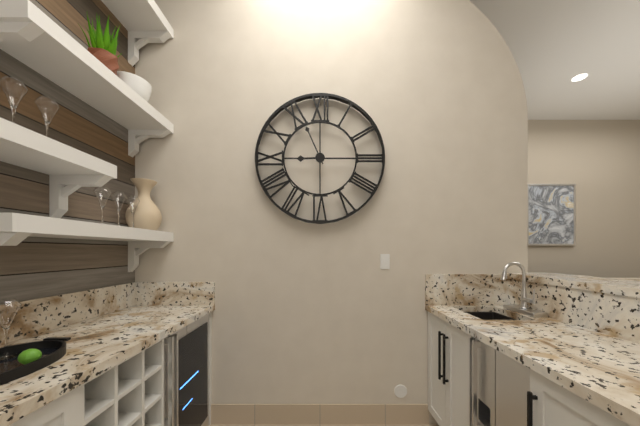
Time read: 8.56
